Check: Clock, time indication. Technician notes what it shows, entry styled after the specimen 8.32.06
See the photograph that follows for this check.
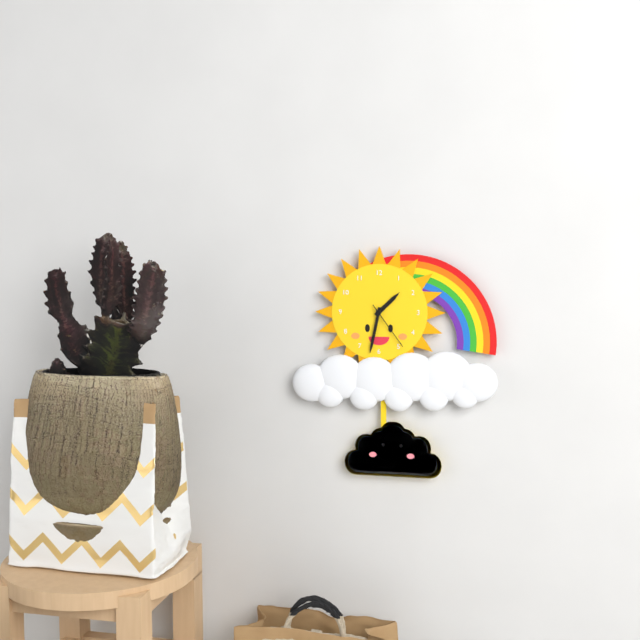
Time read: 1.32.24
